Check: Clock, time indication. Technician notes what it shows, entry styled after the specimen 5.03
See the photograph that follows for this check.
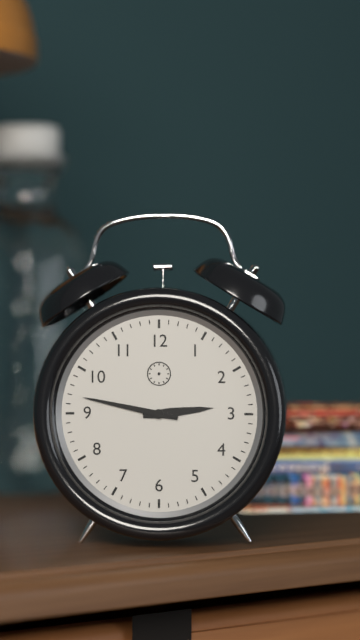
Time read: 2.47
